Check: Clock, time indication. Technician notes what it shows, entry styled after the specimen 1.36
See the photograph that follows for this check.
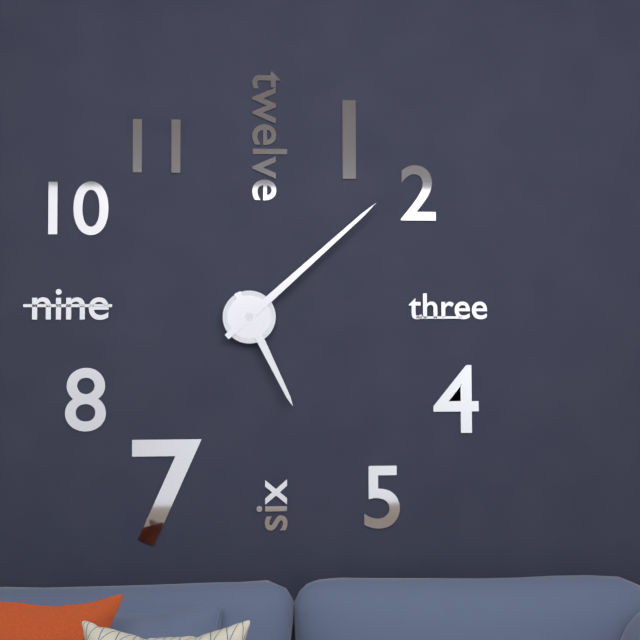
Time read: 5.08
